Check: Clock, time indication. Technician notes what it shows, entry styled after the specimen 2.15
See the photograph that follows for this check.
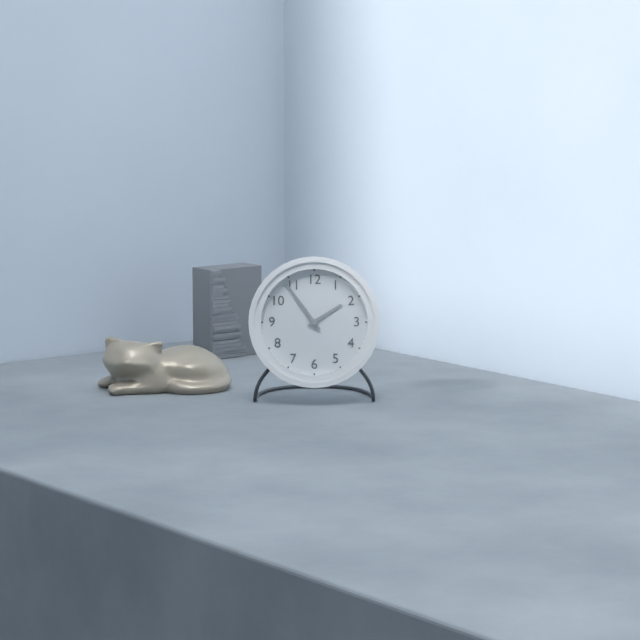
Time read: 1.54
